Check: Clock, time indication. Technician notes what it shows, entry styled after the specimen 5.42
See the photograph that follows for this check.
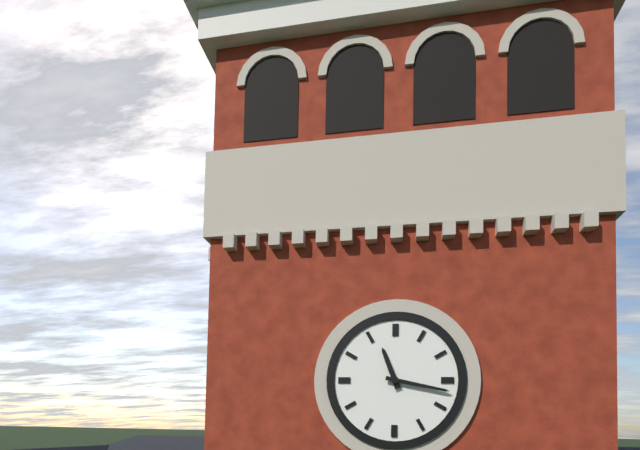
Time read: 11.17
